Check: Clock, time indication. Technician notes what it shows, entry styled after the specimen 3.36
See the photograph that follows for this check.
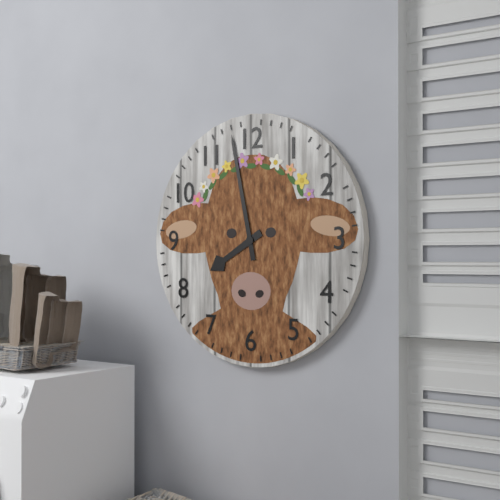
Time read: 7.58
